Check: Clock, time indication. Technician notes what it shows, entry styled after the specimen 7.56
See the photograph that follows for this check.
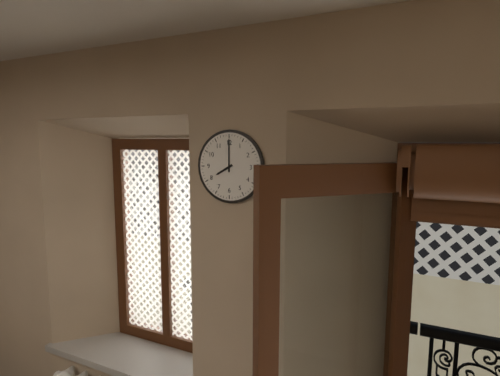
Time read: 8.00
